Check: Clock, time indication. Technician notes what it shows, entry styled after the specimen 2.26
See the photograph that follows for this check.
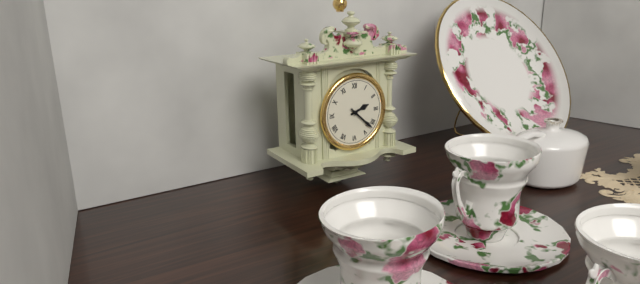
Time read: 2.22
